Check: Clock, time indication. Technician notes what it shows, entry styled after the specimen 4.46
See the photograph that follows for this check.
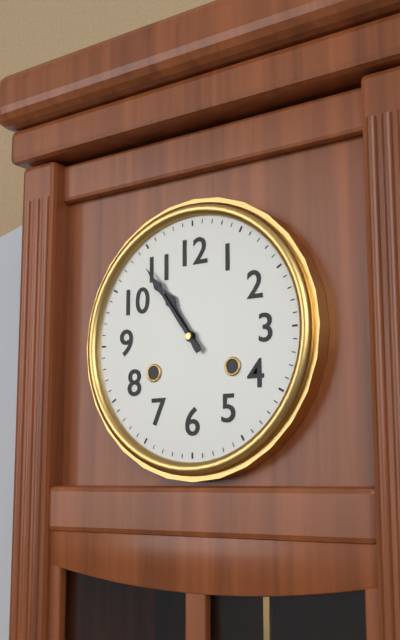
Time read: 10.54
